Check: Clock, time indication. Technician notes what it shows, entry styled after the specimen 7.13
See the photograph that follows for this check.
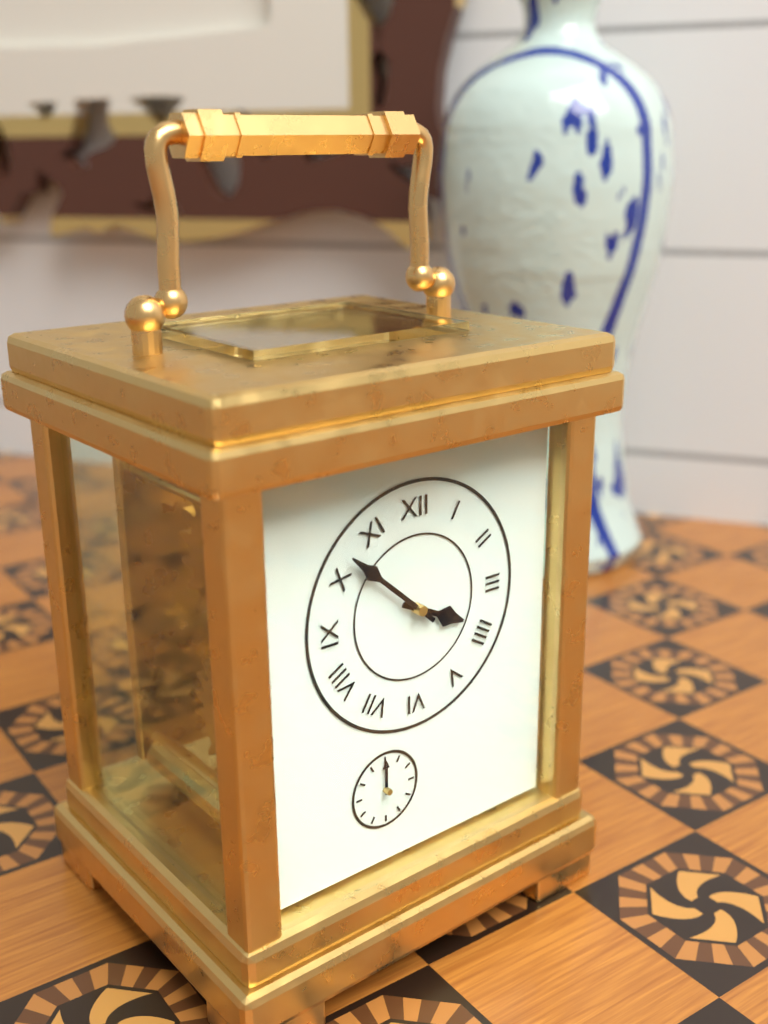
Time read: 3.52
